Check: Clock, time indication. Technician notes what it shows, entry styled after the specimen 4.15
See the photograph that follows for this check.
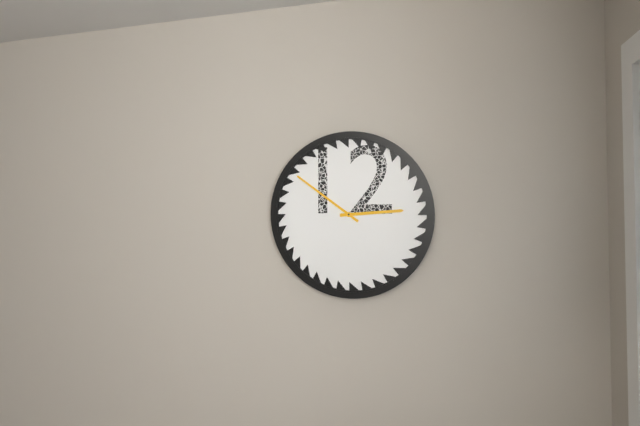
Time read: 2.51
